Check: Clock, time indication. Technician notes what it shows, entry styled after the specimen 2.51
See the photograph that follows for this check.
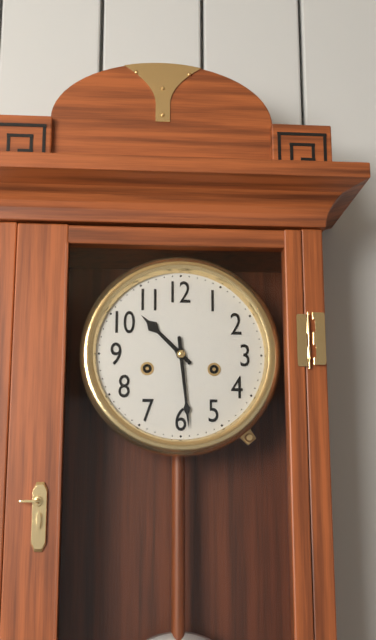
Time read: 10.29
